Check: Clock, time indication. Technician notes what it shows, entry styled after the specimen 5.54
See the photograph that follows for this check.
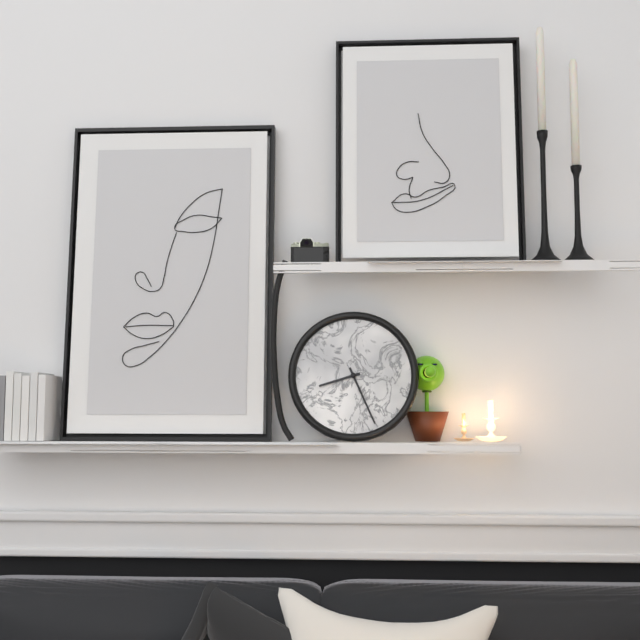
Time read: 8.26
